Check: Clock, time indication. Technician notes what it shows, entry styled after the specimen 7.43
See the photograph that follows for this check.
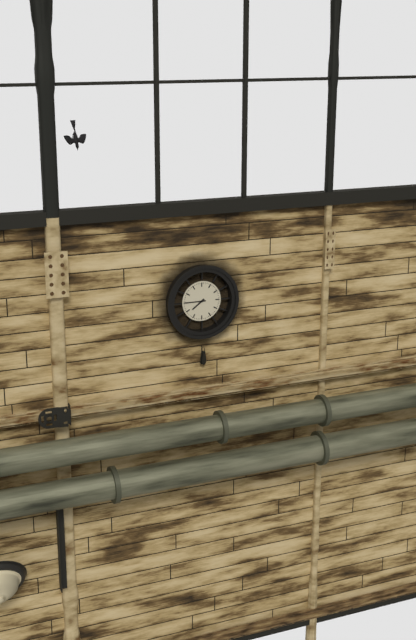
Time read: 7.45
